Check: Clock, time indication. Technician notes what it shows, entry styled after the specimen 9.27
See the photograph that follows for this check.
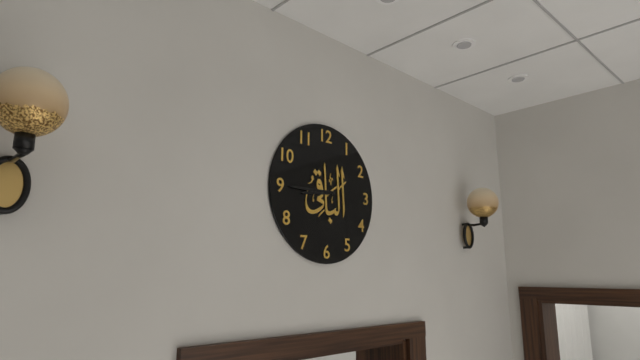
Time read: 8.45
